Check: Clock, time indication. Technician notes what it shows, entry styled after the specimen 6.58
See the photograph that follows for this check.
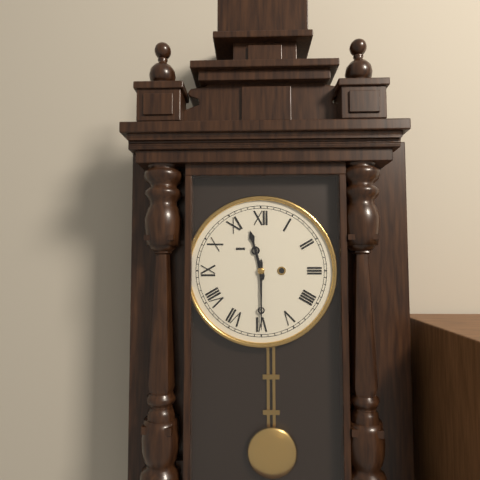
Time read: 11.30
